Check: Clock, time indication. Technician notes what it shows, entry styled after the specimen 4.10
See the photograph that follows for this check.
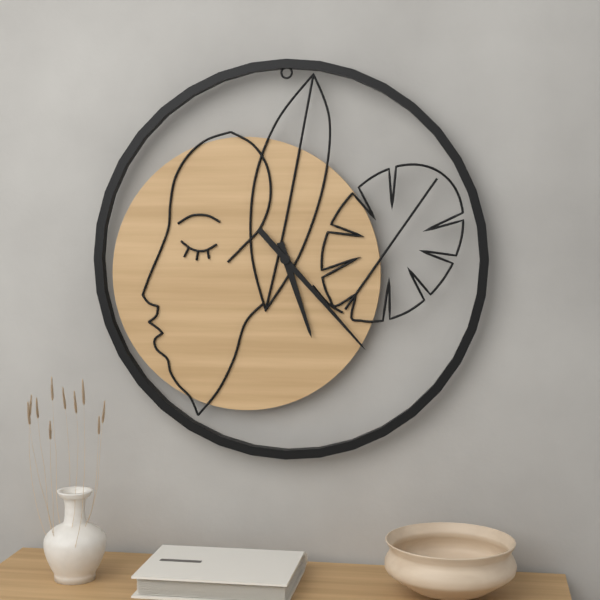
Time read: 5.23
